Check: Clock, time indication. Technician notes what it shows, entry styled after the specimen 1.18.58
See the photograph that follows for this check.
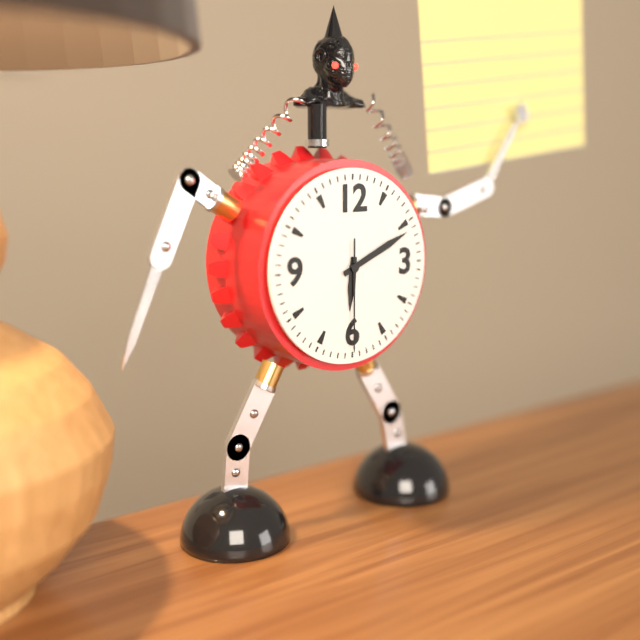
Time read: 6.11.30
